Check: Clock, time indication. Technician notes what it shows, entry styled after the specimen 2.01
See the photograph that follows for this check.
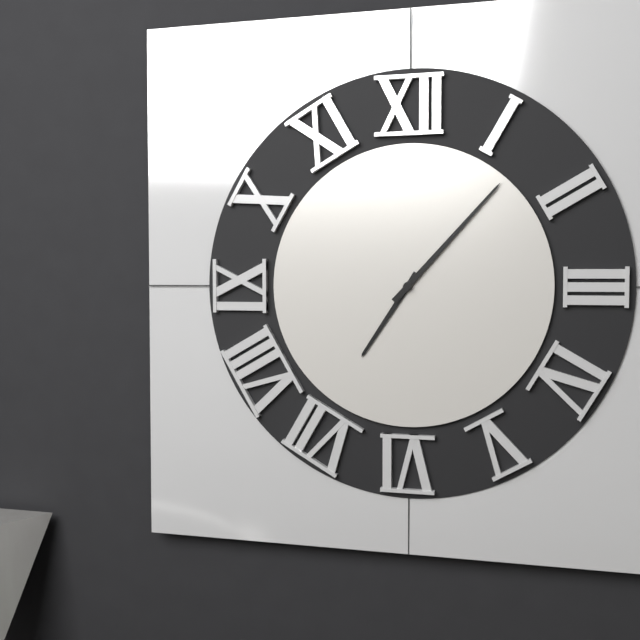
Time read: 7.07
